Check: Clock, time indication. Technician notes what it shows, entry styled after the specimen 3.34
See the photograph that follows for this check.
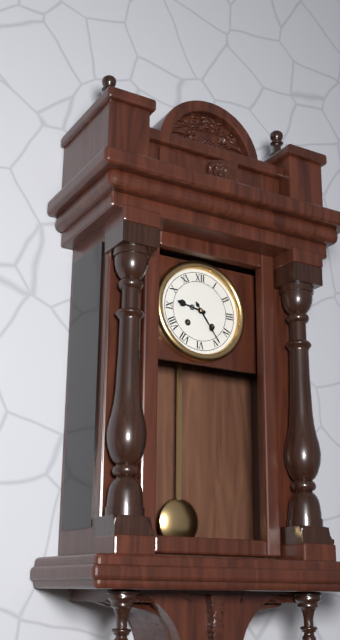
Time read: 9.24
